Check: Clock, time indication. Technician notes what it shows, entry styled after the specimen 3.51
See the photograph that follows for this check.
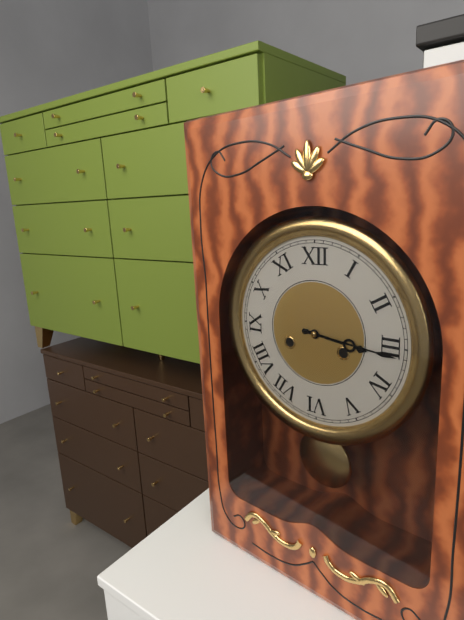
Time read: 3.16
